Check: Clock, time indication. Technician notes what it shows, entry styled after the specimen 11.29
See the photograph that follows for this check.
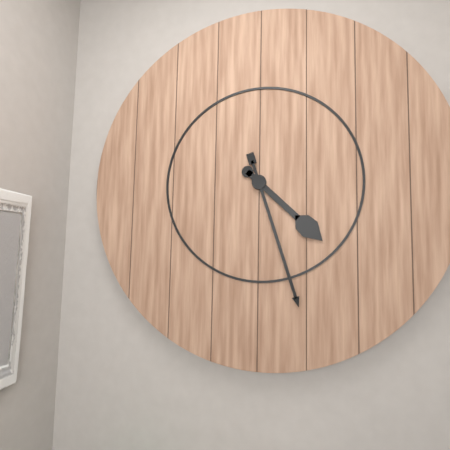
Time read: 4.27
